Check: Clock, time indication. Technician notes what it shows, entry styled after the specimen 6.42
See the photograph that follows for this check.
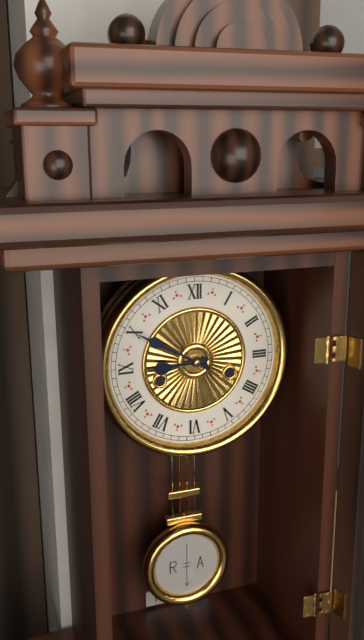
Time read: 8.50
